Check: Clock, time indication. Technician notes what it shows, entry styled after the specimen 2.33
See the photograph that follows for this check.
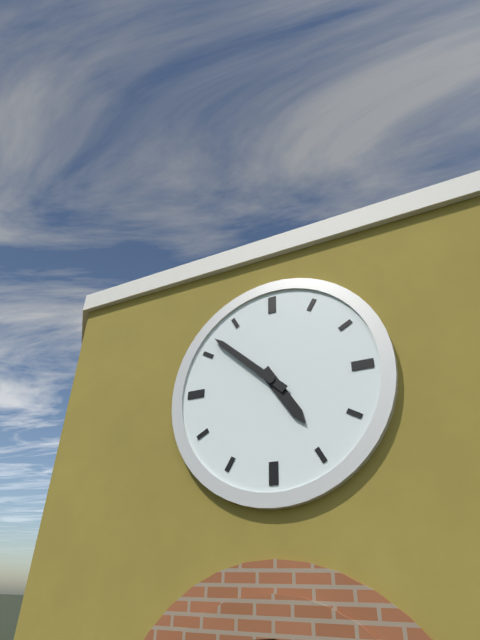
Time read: 4.52
